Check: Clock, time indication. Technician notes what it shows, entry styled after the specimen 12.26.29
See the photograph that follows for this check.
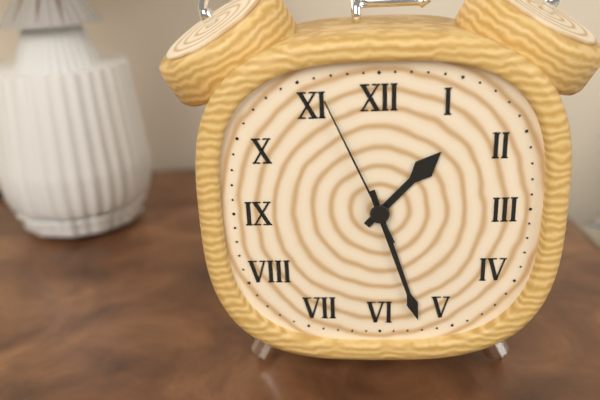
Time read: 1.27.56
